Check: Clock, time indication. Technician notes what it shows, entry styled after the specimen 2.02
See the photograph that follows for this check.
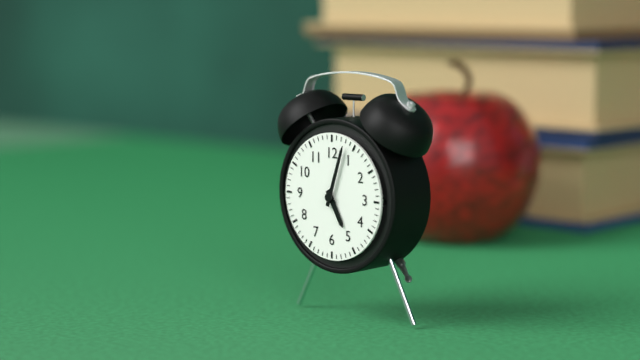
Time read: 5.03
